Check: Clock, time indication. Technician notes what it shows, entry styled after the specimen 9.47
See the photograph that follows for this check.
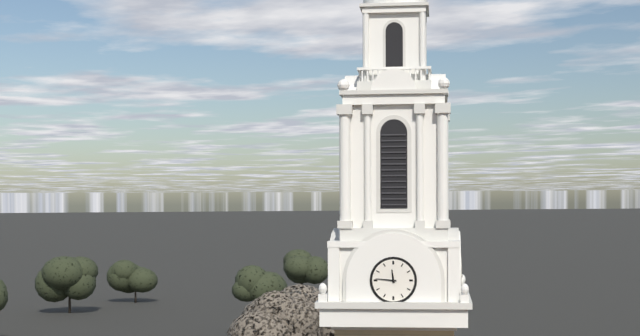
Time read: 11.46
